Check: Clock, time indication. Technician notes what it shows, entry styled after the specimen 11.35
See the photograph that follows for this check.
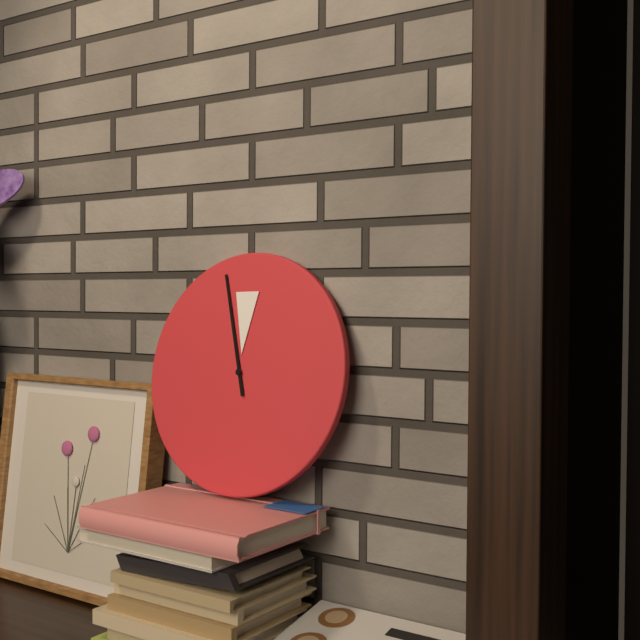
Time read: 11.57
